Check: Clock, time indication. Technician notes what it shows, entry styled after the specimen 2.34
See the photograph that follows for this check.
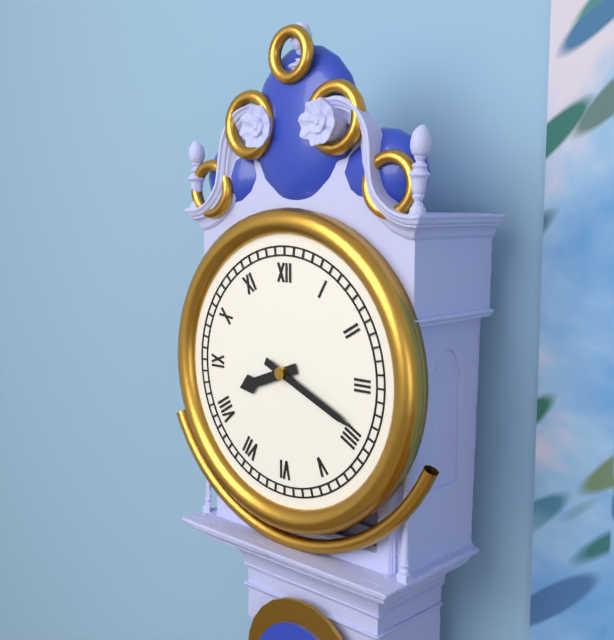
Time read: 8.19
